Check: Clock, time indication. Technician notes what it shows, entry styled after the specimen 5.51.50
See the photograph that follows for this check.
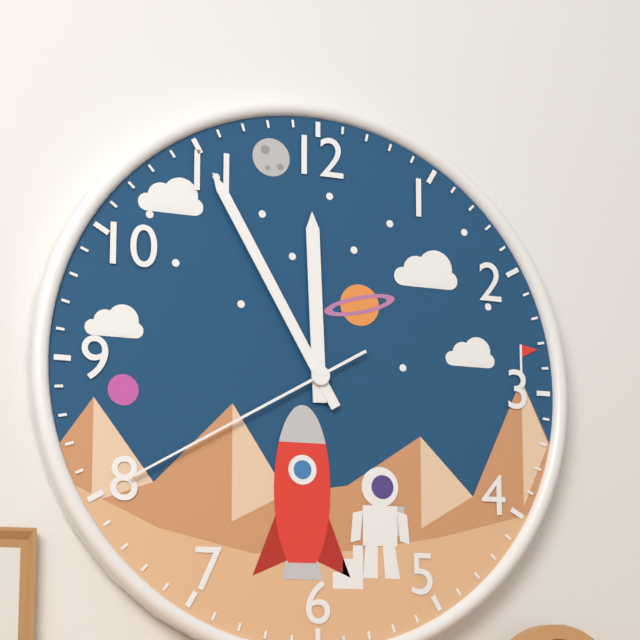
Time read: 11.55.40
